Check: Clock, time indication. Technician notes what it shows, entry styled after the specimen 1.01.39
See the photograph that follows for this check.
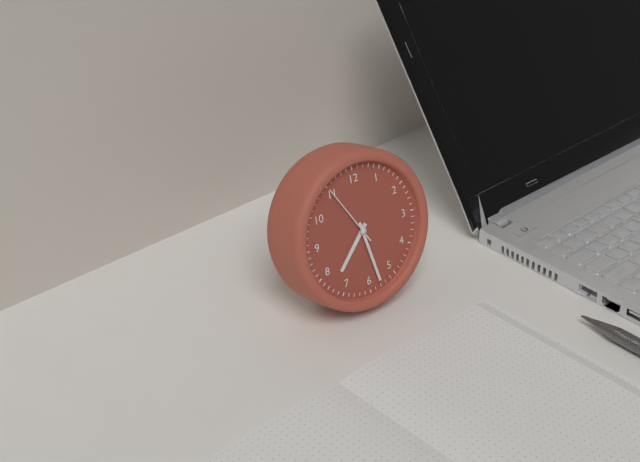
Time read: 7.28.55
